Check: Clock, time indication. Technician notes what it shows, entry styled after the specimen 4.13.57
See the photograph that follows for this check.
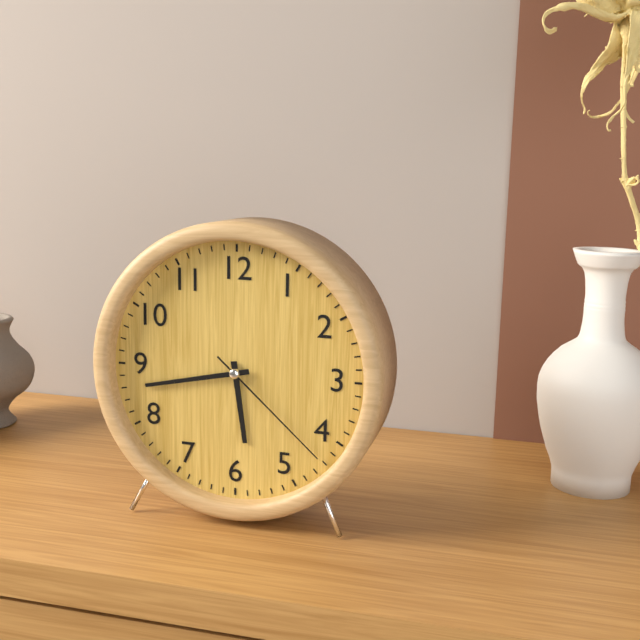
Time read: 5.43.22
